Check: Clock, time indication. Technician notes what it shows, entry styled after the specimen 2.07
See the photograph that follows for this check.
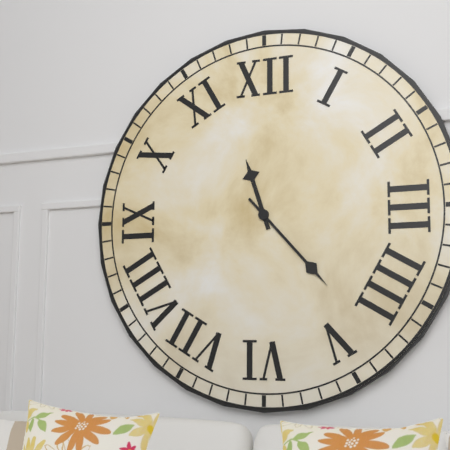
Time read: 11.23
